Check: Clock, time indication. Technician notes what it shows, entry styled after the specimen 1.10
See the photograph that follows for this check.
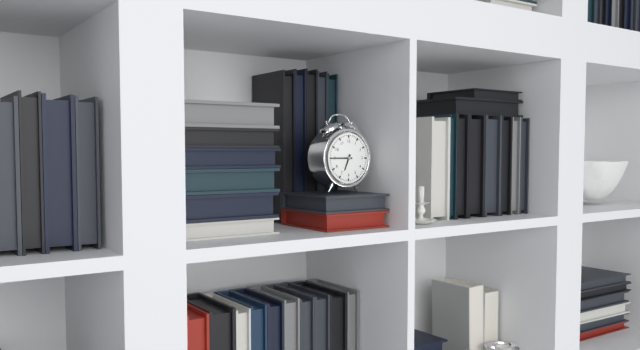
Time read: 6.45
